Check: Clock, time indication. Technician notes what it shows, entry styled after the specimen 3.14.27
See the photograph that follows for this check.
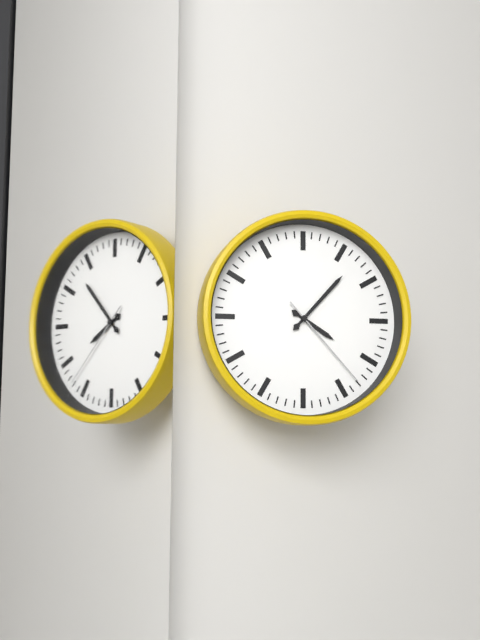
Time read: 4.07.23
